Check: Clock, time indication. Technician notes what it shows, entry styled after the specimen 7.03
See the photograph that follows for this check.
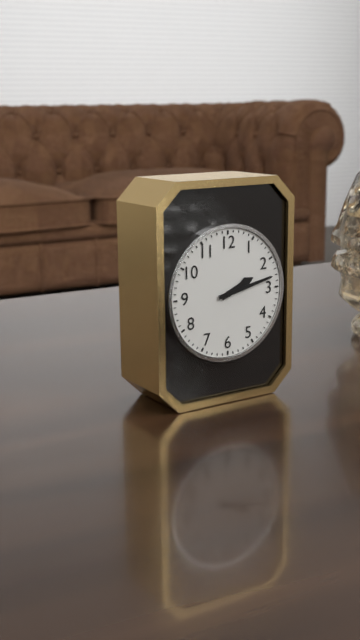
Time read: 2.13
